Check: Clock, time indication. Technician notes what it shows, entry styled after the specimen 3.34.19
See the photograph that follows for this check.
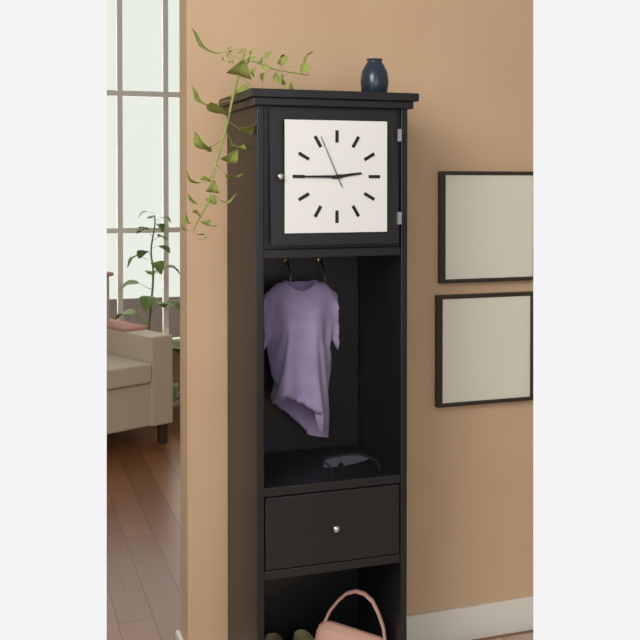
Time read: 2.45.56
